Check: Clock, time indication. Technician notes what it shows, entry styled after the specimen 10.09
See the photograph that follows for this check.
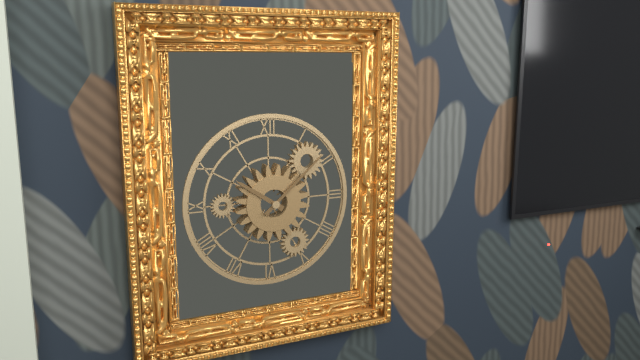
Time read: 10.08
